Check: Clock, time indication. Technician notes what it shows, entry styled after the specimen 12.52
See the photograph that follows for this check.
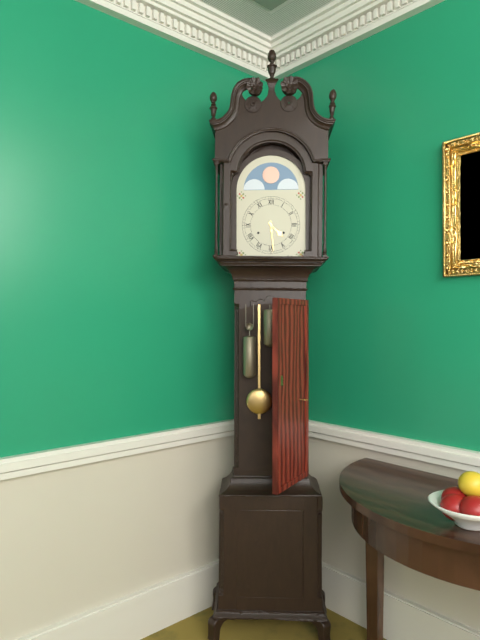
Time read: 4.29
